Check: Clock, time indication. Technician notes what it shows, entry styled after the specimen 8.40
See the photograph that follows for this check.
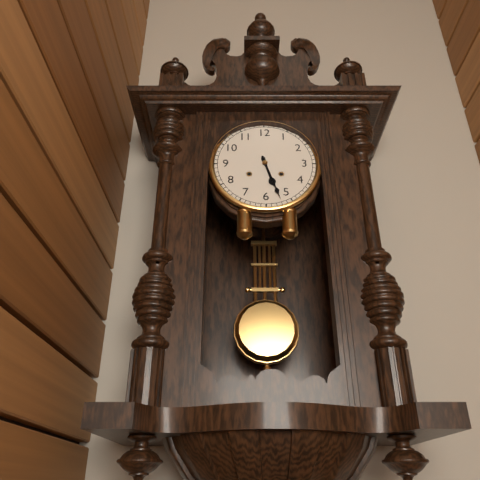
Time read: 5.27
